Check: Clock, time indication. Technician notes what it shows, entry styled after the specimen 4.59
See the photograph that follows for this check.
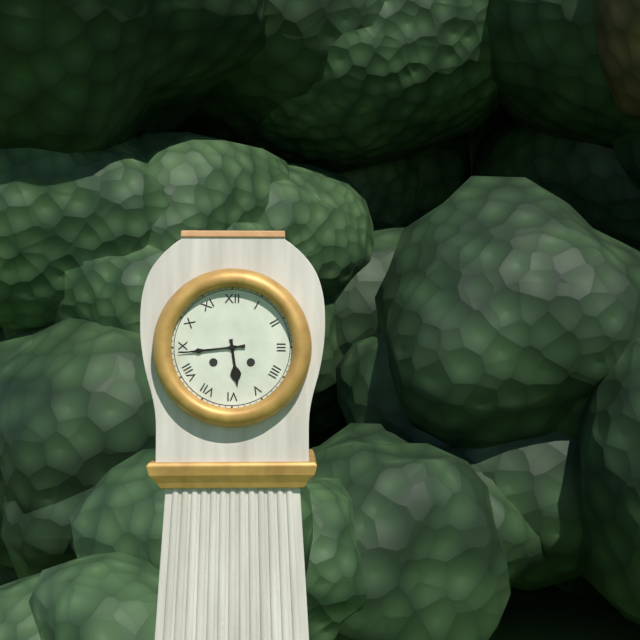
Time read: 5.44
